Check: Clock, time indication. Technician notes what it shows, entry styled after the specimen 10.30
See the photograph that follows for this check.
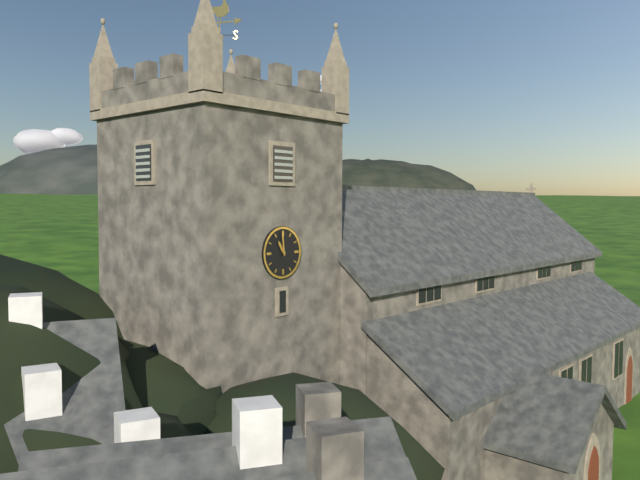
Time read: 10.59
